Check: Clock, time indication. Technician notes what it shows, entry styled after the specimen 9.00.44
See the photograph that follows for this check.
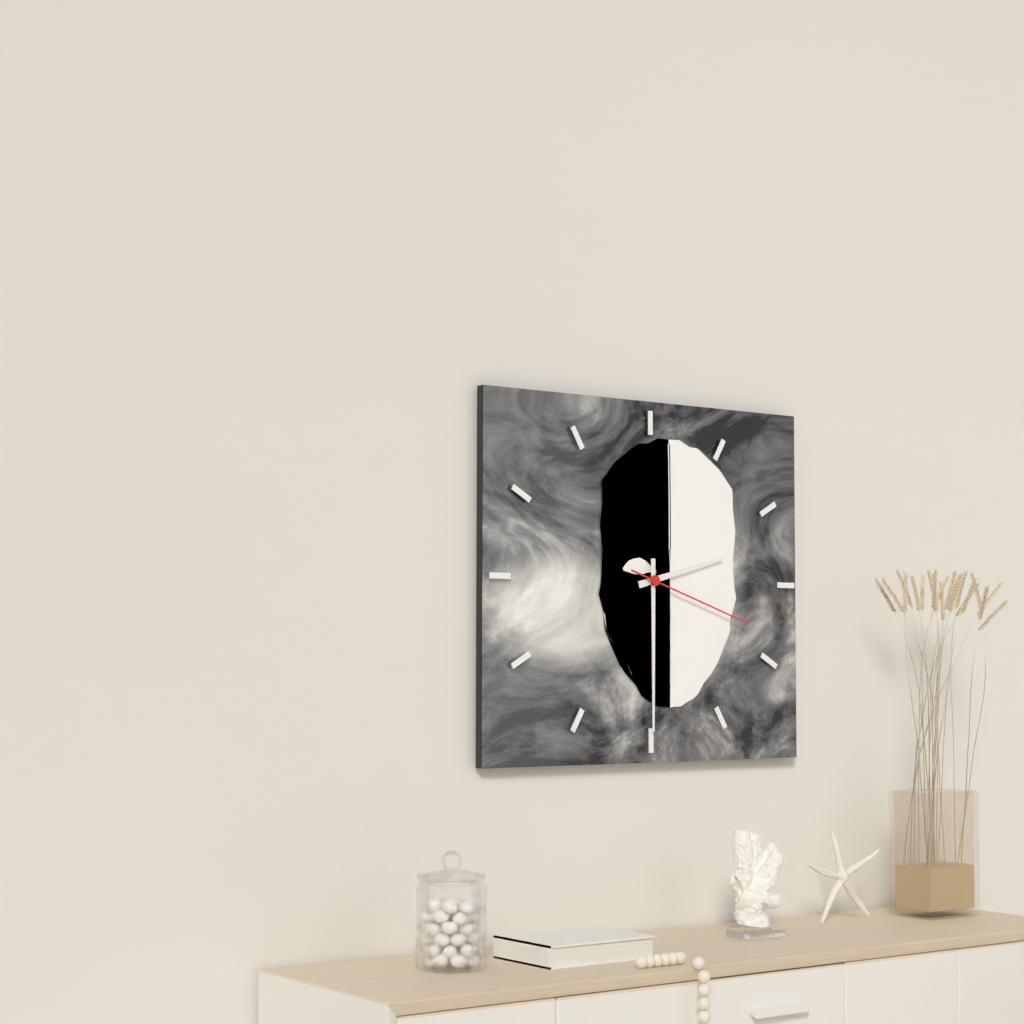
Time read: 2.30.18
